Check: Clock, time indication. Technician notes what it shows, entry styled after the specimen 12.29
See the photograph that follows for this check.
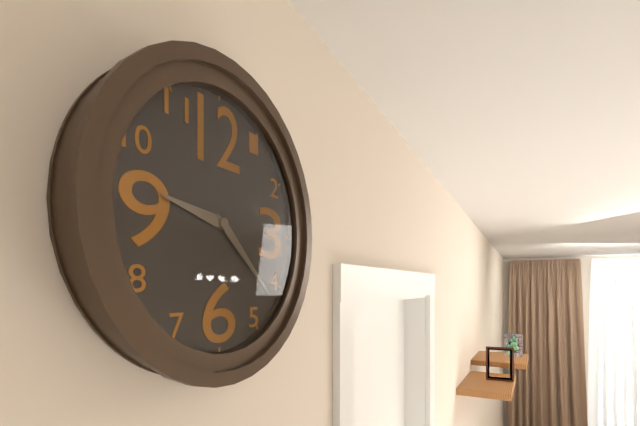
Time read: 9.22
